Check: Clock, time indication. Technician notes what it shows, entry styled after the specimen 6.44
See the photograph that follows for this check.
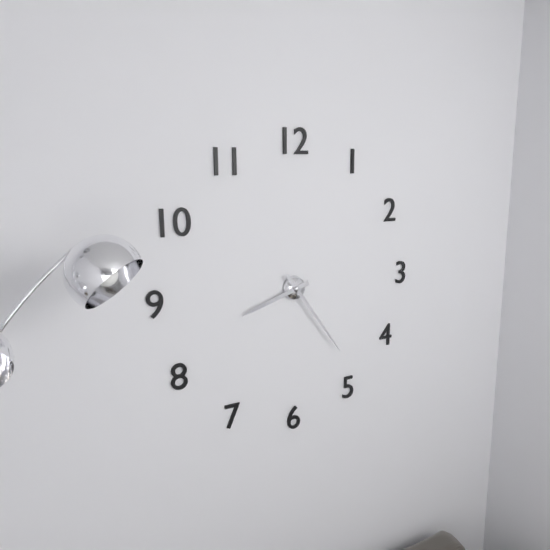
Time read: 8.24
